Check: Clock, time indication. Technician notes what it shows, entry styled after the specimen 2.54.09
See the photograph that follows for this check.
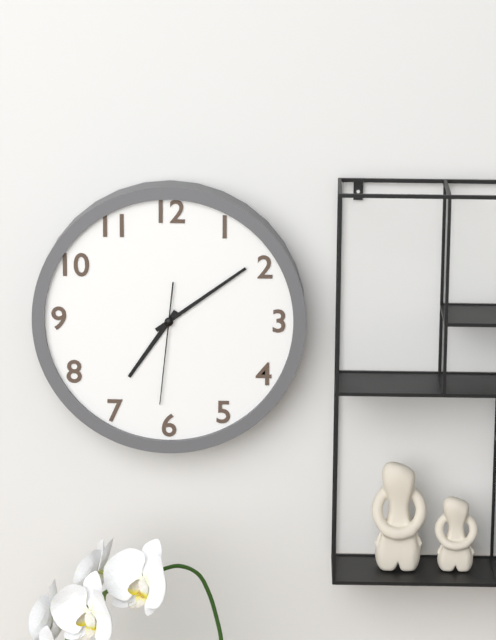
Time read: 7.09.31
